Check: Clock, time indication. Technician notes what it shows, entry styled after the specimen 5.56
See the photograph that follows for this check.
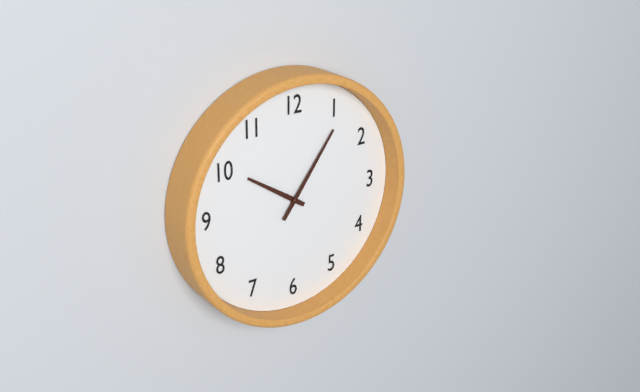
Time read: 10.06
